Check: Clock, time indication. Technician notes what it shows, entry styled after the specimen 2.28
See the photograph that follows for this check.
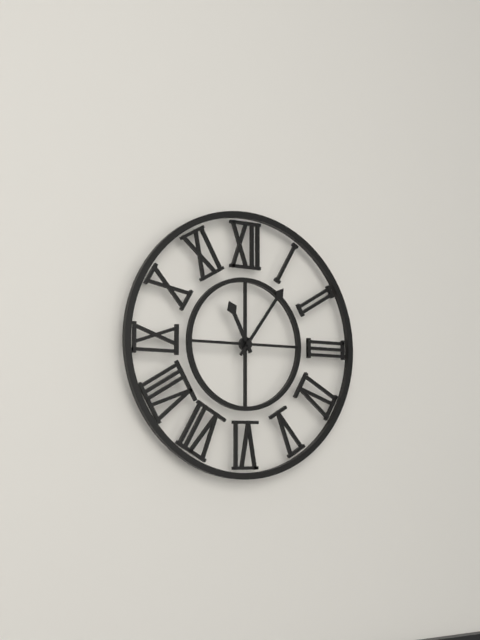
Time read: 11.06
